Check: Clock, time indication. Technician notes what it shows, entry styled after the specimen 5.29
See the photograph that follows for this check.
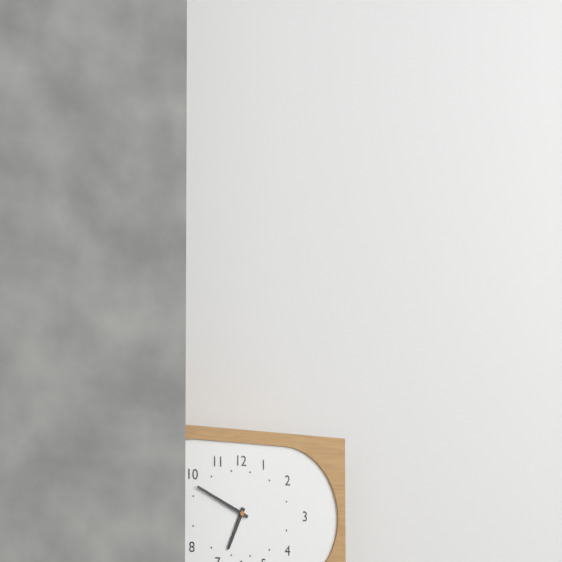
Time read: 6.49
